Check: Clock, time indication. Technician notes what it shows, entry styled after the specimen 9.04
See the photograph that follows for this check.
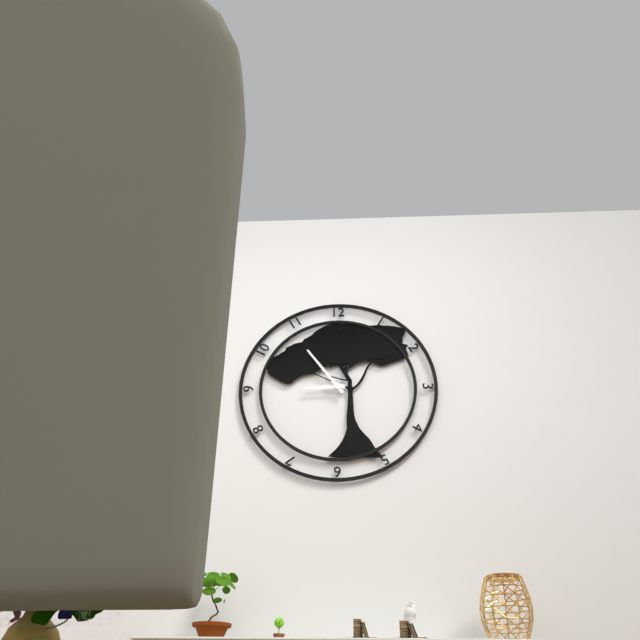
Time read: 8.54
